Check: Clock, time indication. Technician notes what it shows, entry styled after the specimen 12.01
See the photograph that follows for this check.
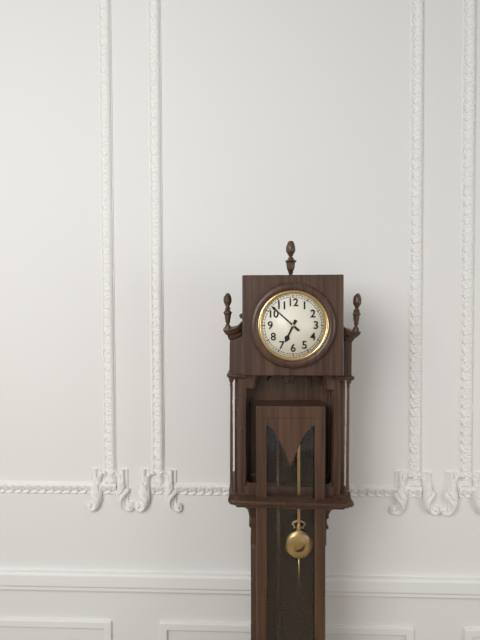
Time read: 6.52
